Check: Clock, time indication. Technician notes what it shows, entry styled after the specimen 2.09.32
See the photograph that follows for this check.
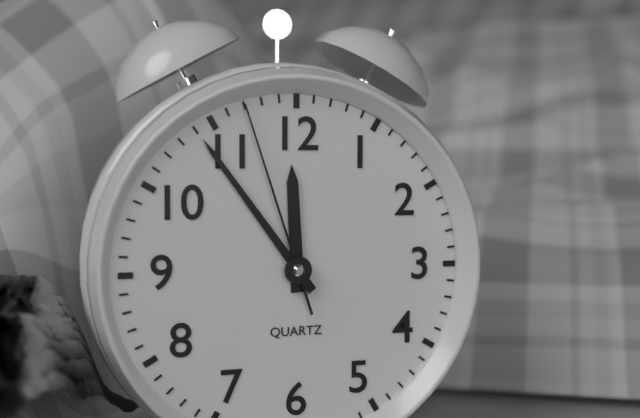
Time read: 11.54.57
